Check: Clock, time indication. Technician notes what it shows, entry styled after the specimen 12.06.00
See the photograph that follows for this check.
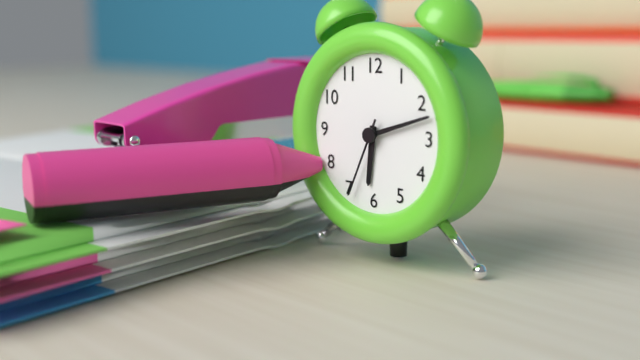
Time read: 6.12.34
